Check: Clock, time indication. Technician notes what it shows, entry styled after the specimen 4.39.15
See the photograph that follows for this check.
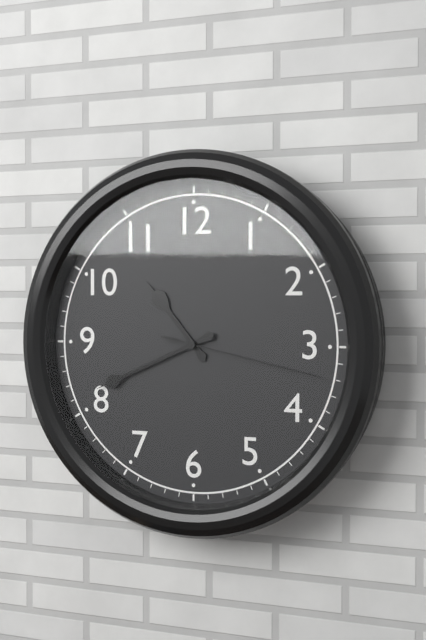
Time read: 10.41.17
